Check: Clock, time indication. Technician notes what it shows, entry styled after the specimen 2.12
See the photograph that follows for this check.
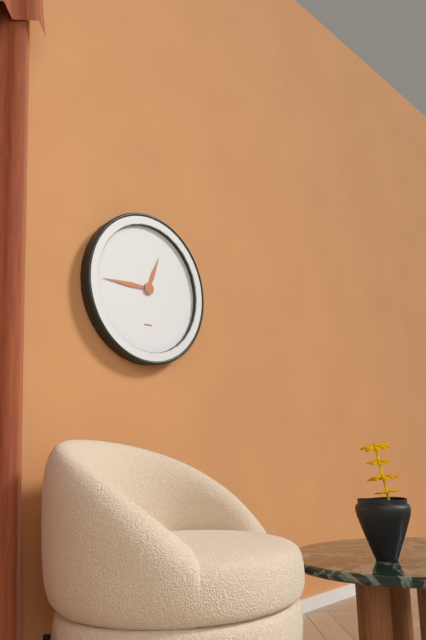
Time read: 12.45
